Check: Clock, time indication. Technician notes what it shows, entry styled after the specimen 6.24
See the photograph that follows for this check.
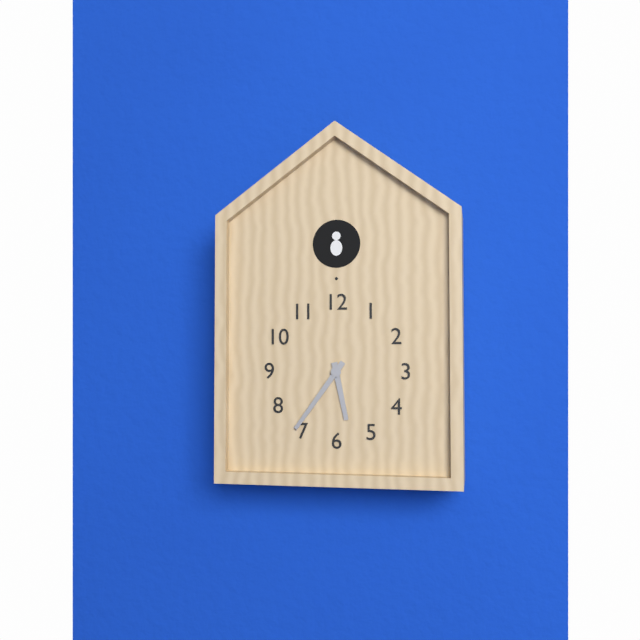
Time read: 5.36
